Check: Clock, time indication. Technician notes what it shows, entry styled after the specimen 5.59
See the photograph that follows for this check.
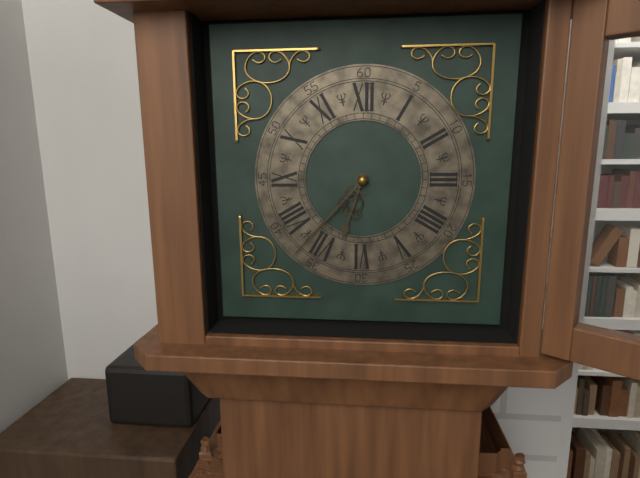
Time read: 6.37
